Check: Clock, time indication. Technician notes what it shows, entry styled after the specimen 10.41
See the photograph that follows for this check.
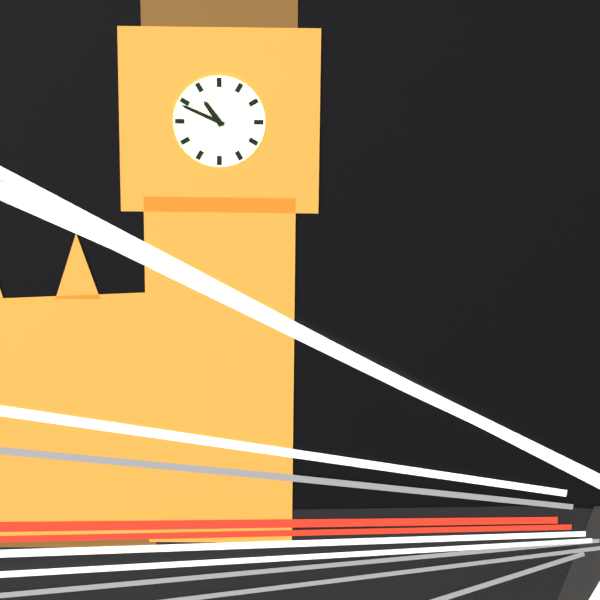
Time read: 10.49
